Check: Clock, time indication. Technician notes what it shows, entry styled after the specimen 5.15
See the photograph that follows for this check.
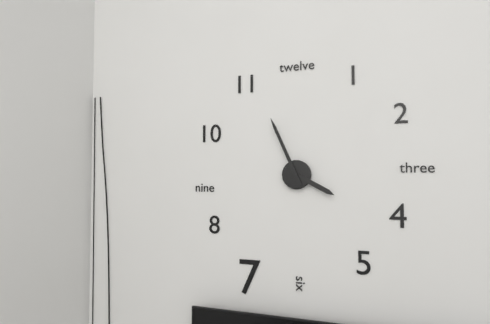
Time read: 3.56
